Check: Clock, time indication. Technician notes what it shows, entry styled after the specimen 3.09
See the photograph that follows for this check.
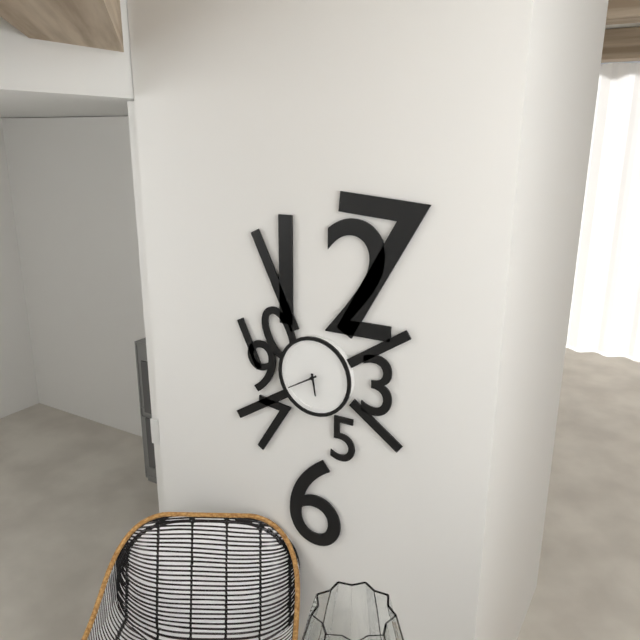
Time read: 5.40
